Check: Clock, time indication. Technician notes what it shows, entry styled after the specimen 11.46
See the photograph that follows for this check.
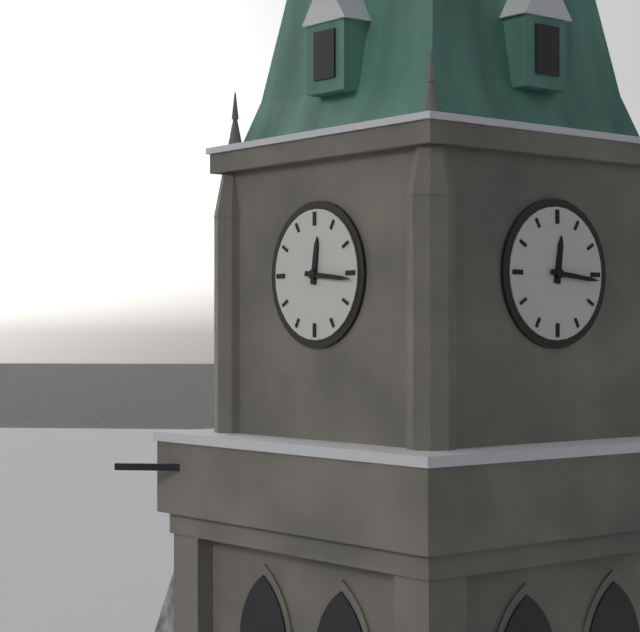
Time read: 12.16
